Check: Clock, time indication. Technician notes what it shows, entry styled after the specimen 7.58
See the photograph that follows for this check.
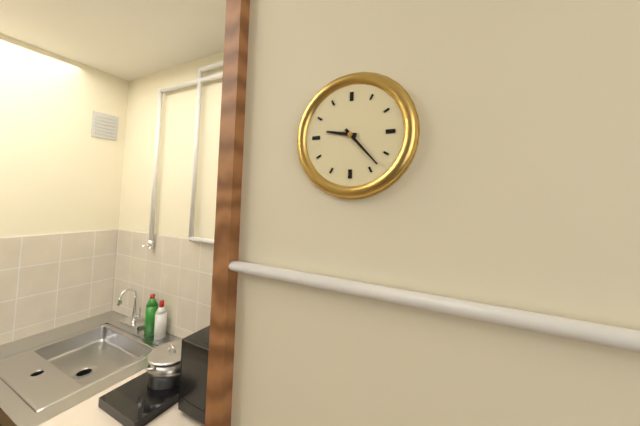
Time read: 9.23
